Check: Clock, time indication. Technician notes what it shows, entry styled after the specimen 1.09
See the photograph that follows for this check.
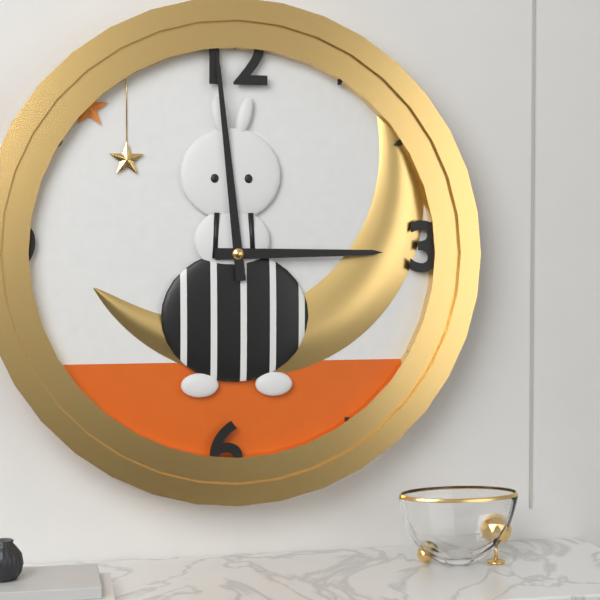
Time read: 2.59
